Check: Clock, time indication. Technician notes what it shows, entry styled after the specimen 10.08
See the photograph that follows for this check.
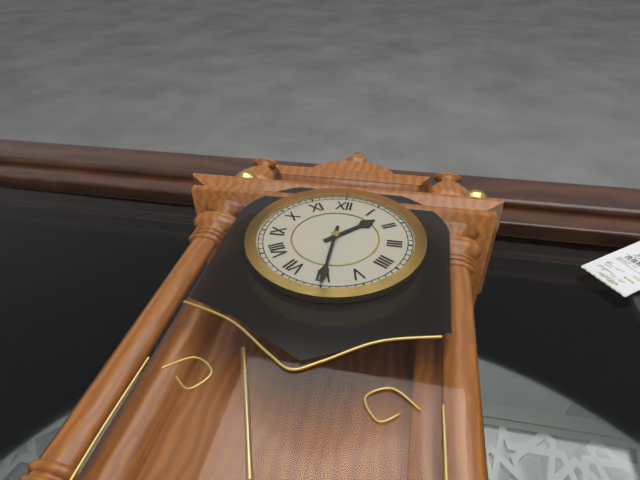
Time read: 1.30
